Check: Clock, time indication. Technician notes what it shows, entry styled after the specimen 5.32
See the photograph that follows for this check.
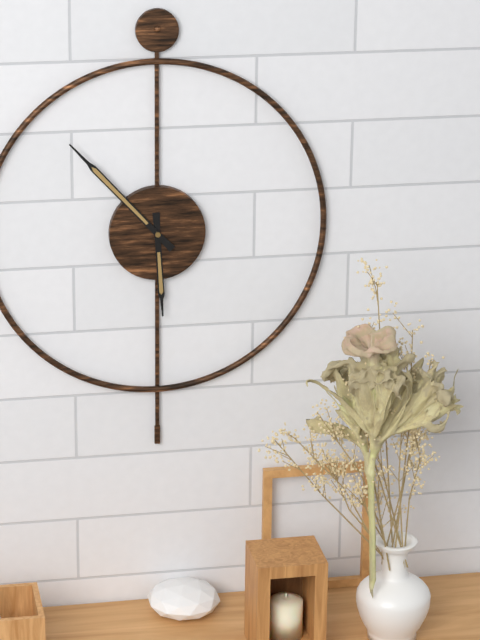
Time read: 5.53
